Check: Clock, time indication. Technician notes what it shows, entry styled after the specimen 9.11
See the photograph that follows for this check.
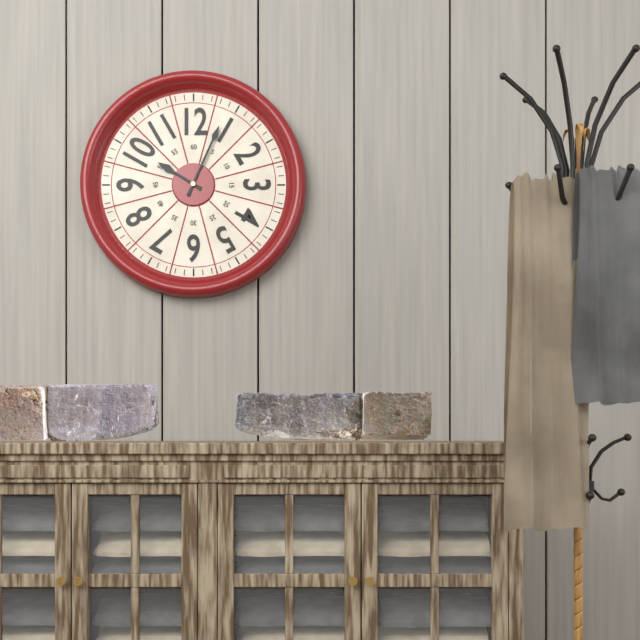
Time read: 10.04
